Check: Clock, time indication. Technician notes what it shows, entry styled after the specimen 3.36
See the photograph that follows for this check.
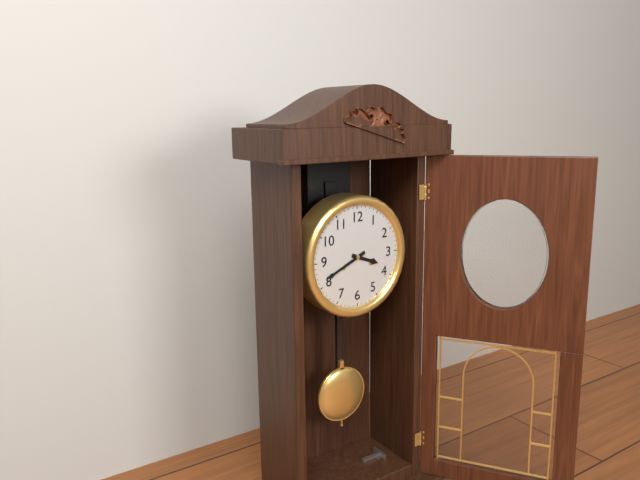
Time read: 3.41
